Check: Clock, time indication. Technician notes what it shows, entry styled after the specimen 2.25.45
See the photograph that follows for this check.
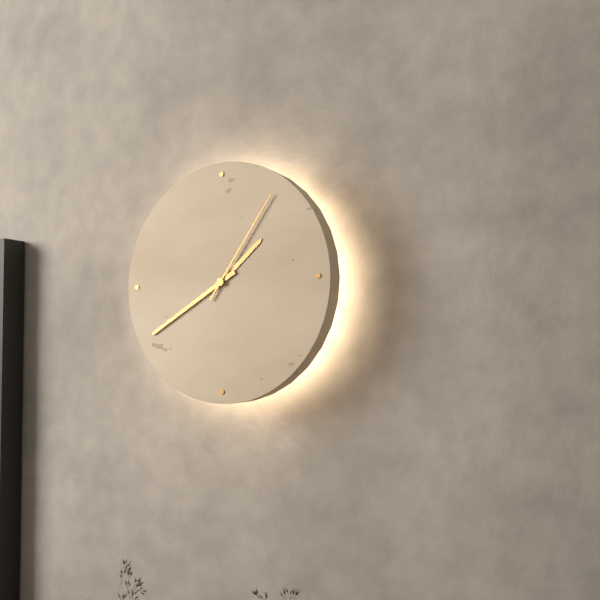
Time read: 1.40.06
